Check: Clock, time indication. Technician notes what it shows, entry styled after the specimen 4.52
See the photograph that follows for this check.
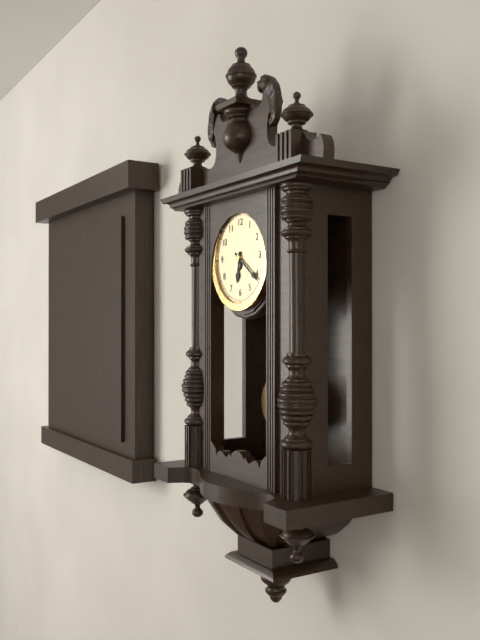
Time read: 6.21
